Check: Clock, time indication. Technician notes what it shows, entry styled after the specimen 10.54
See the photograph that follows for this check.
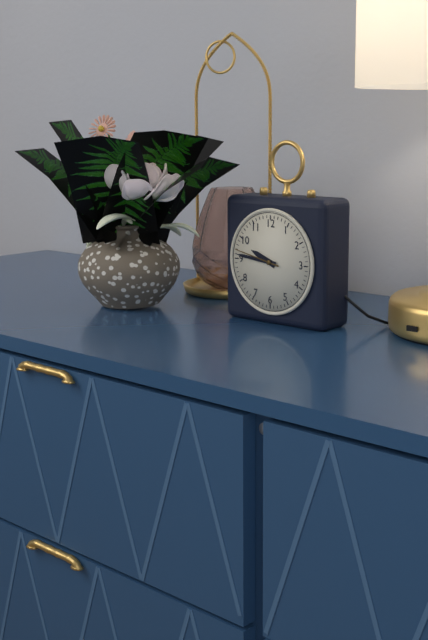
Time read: 9.46
